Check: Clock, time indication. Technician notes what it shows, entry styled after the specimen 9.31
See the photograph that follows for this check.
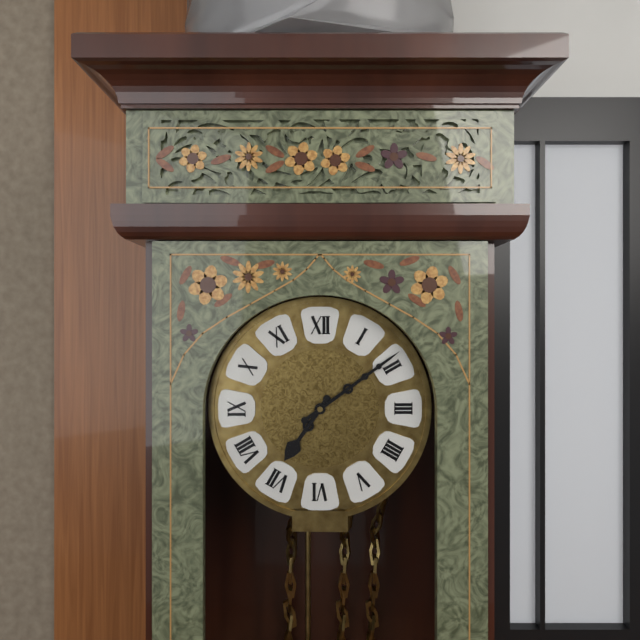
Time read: 7.09
